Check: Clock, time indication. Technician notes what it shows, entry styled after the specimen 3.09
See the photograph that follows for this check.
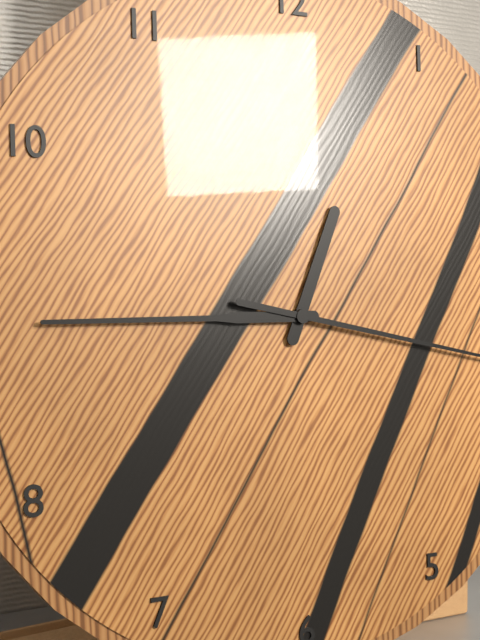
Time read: 12.45
